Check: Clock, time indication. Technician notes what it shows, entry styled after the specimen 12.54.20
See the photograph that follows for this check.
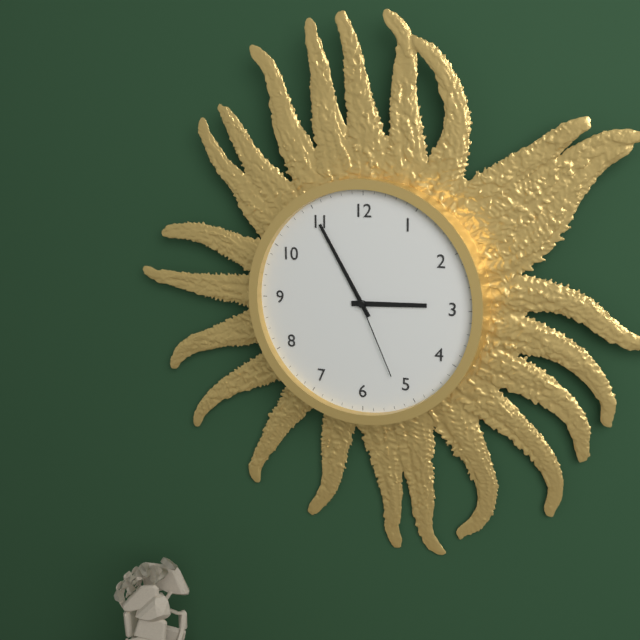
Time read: 2.55.26
